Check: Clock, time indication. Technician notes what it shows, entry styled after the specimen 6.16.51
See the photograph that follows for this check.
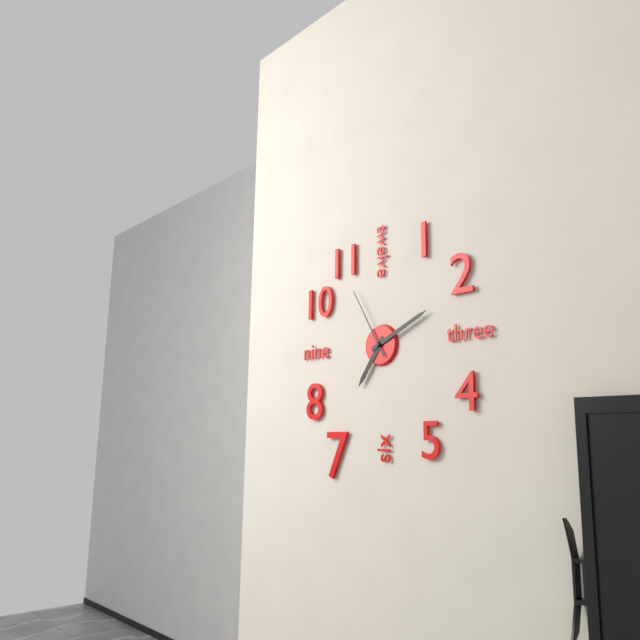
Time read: 7.11.55
